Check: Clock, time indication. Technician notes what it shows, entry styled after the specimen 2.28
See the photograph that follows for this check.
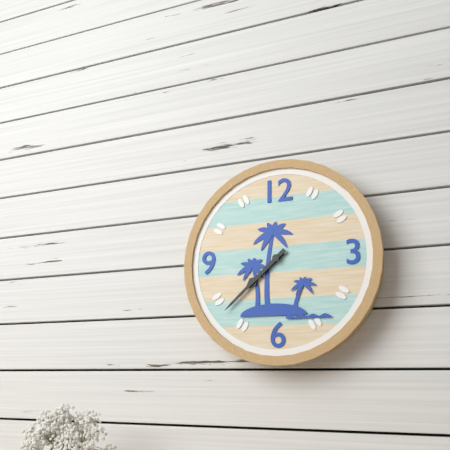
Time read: 7.38
